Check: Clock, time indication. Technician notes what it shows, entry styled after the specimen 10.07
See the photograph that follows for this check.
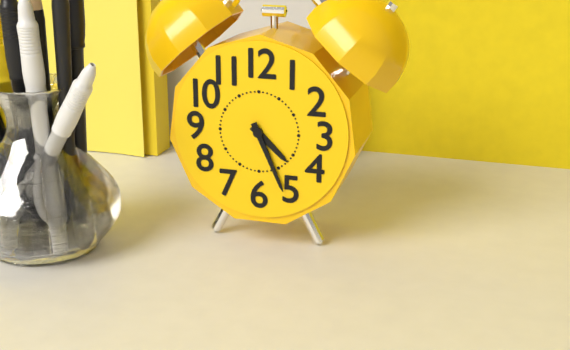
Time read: 4.26
